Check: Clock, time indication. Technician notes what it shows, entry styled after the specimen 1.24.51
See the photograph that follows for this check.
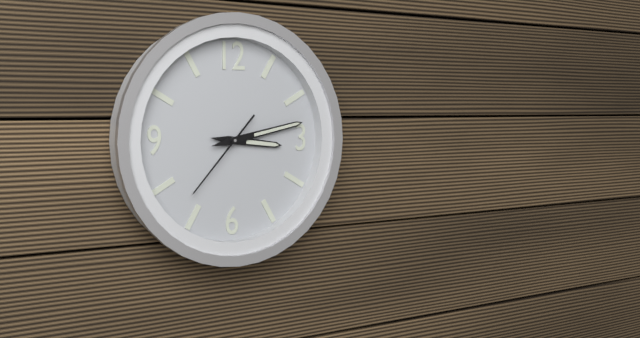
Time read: 3.13.37
